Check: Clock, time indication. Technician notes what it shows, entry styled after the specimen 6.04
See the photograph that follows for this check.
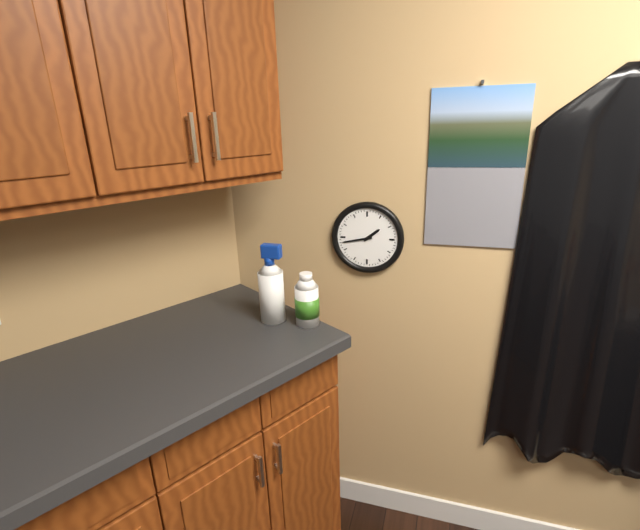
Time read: 1.43
